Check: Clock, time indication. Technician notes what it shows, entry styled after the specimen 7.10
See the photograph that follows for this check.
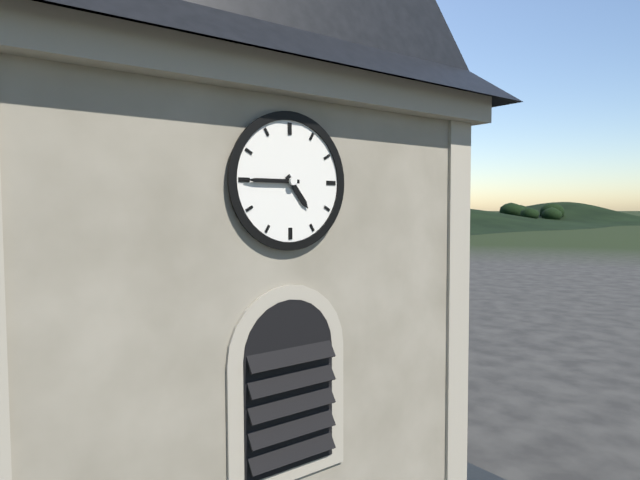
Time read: 4.45
